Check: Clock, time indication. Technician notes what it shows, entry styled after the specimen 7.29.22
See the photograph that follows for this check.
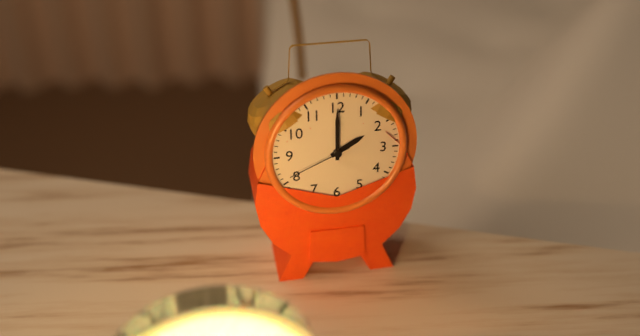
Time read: 2.00.41
